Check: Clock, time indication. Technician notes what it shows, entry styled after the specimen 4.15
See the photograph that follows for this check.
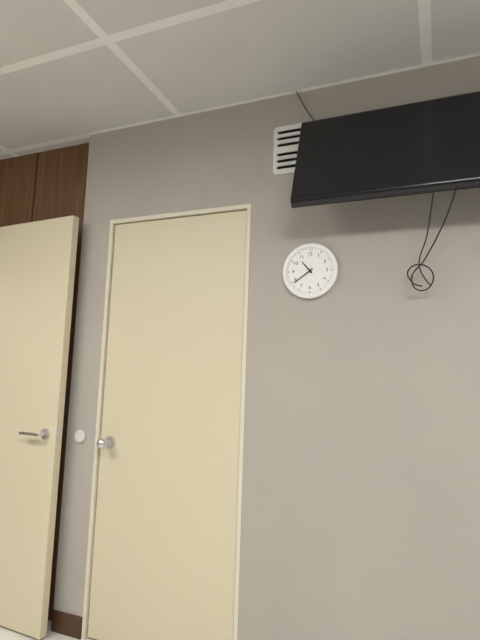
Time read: 10.39
